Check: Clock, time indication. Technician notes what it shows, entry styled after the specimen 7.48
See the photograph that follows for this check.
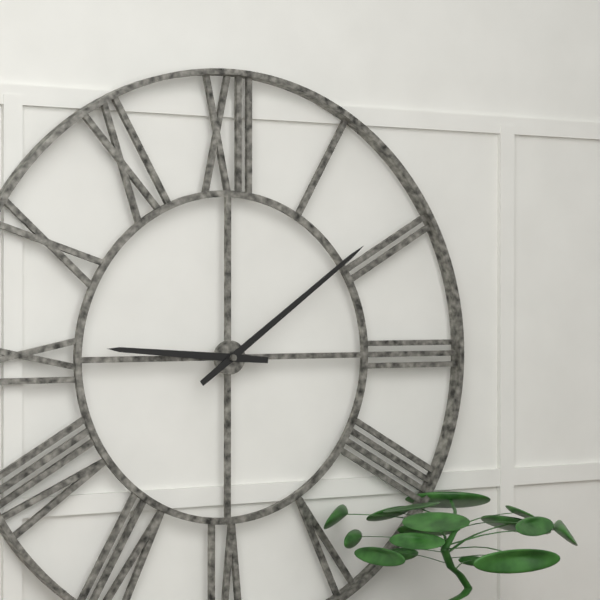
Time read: 9.09
